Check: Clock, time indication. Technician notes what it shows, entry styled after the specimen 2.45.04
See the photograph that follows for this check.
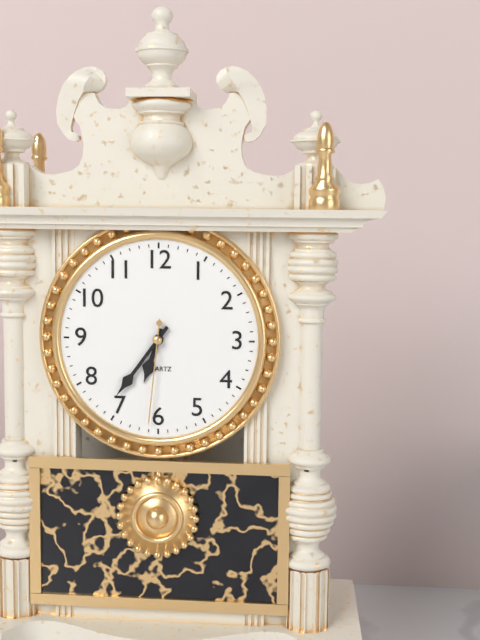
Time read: 6.36.31
